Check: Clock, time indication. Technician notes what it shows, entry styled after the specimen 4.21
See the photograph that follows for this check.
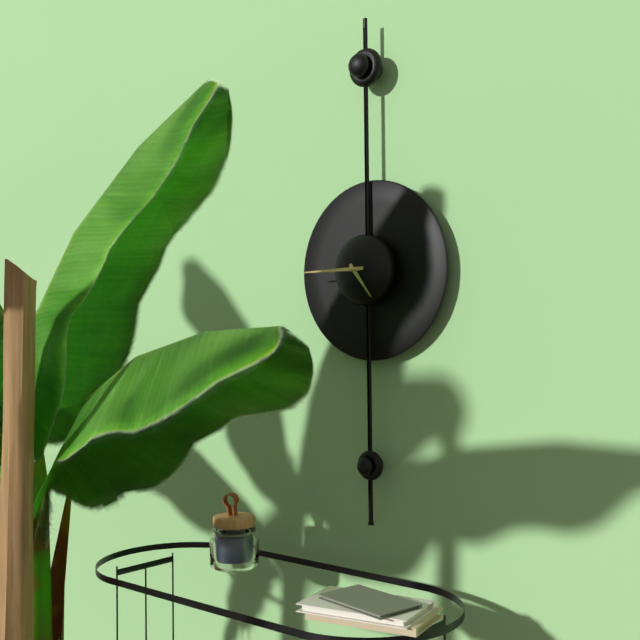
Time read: 4.45
